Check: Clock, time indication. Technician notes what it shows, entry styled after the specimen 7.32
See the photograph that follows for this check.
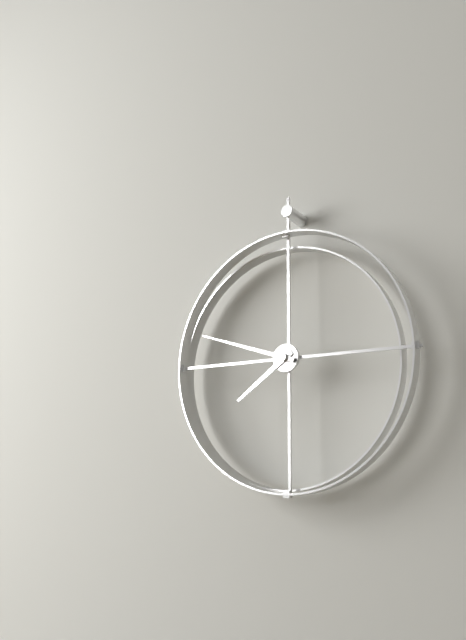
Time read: 7.48
